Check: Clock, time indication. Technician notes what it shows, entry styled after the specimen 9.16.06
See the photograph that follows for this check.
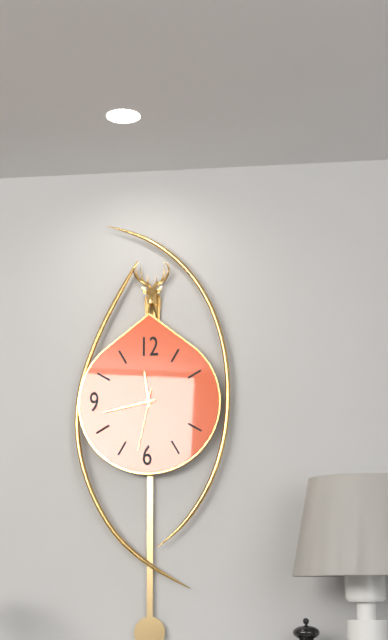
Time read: 11.43.32
